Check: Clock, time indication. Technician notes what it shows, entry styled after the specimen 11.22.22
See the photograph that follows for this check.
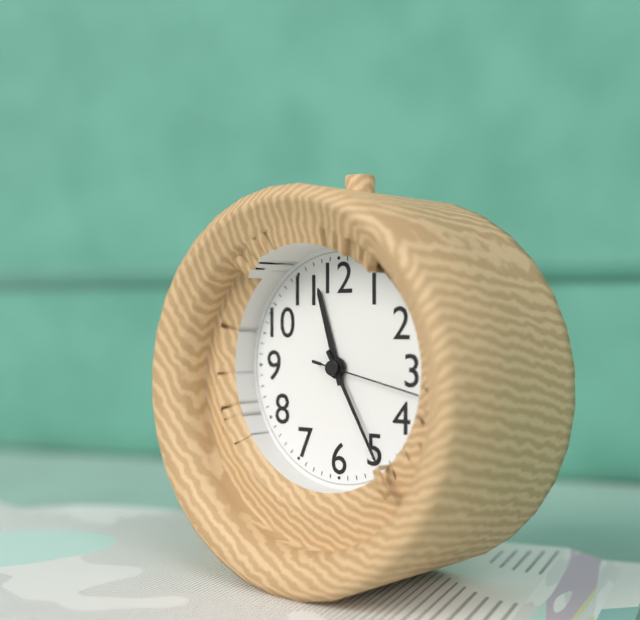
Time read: 11.25.17
